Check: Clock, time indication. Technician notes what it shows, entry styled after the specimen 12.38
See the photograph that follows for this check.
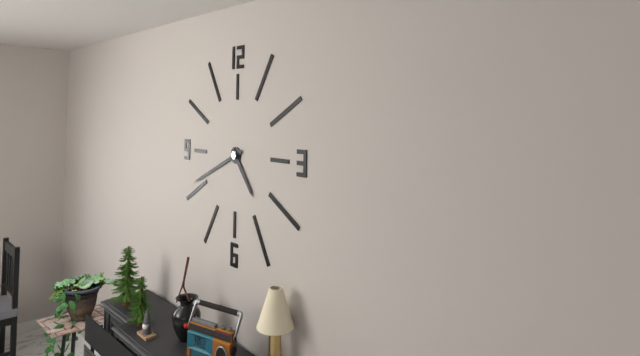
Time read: 4.41
